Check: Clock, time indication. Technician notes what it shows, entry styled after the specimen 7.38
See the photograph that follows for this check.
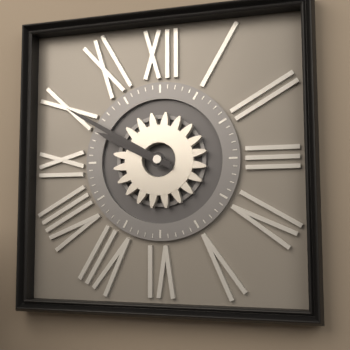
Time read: 9.50
